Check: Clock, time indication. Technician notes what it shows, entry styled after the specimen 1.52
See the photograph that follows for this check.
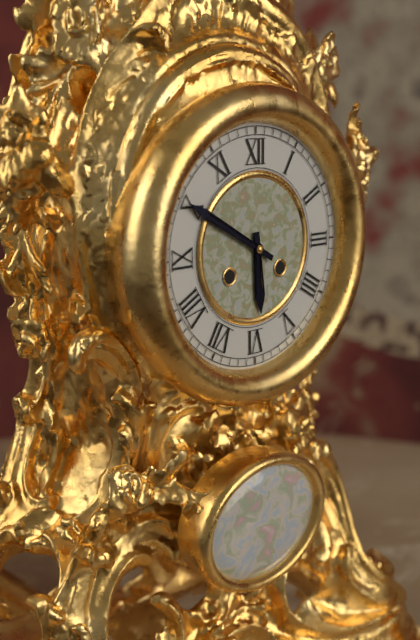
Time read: 5.50
